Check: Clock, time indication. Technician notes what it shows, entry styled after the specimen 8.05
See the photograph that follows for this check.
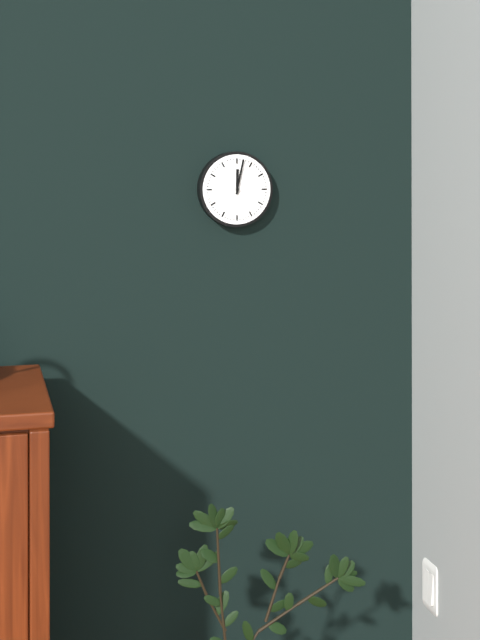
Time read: 12.02
